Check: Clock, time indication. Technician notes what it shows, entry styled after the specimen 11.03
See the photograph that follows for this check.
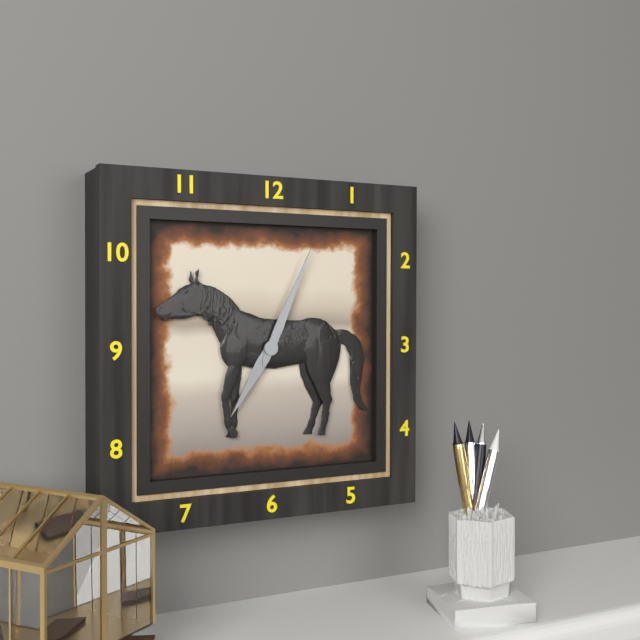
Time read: 7.04
